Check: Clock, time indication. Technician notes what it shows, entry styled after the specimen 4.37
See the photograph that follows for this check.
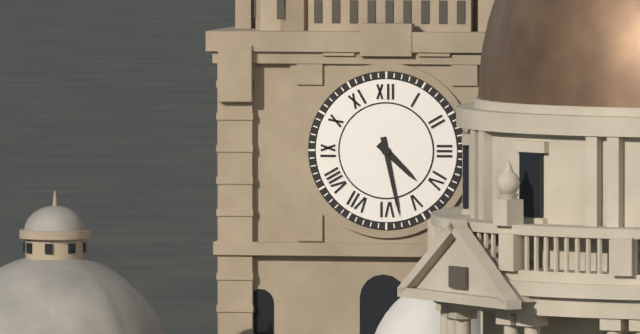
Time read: 4.28
